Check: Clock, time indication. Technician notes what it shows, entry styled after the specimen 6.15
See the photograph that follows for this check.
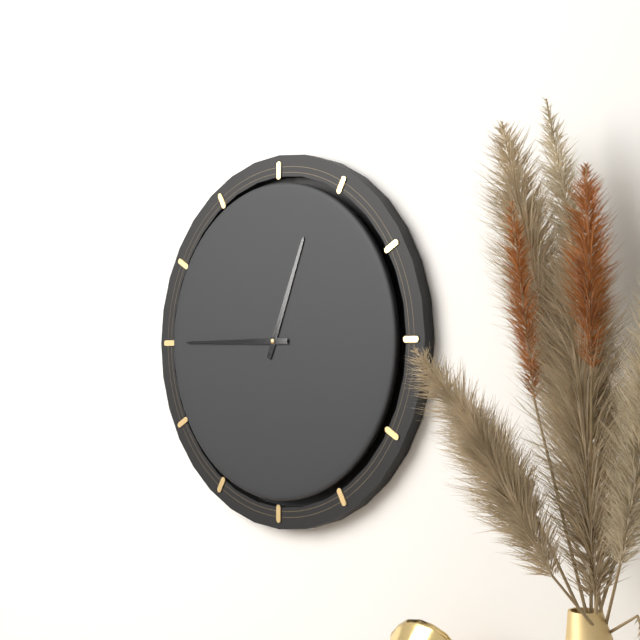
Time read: 12.45
